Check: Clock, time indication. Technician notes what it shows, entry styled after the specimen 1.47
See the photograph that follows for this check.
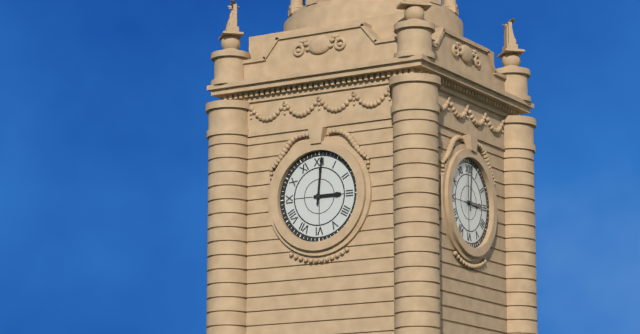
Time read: 3.01
